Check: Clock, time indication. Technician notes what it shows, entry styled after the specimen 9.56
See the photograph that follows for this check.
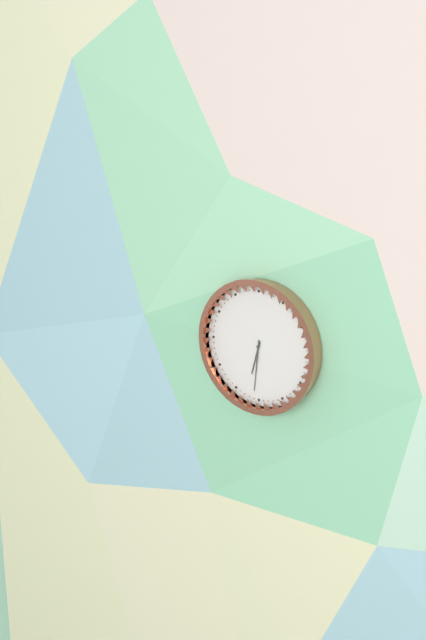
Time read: 6.31
